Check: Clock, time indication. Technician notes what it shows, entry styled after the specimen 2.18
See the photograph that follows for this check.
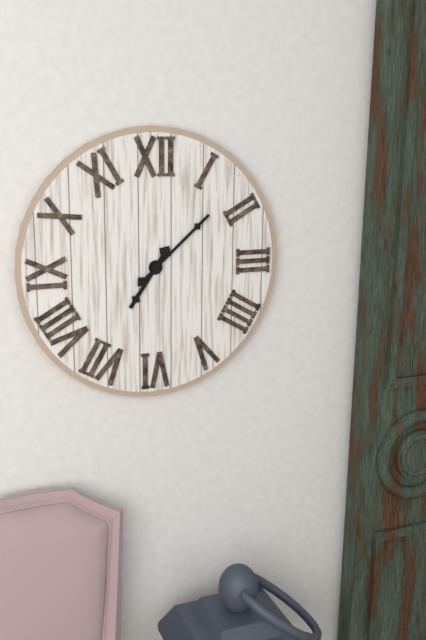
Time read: 7.08
